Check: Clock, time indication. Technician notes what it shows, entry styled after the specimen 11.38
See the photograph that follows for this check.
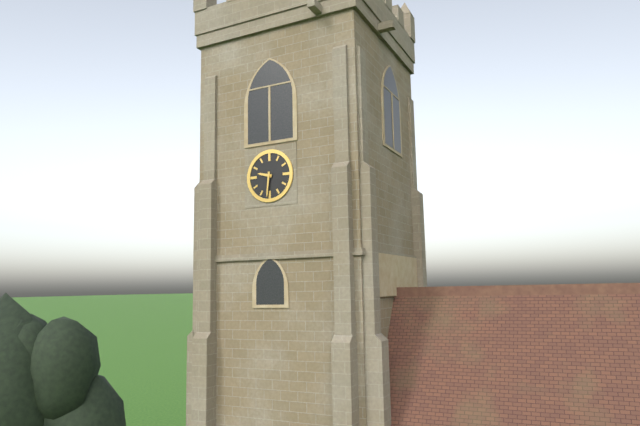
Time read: 9.31
